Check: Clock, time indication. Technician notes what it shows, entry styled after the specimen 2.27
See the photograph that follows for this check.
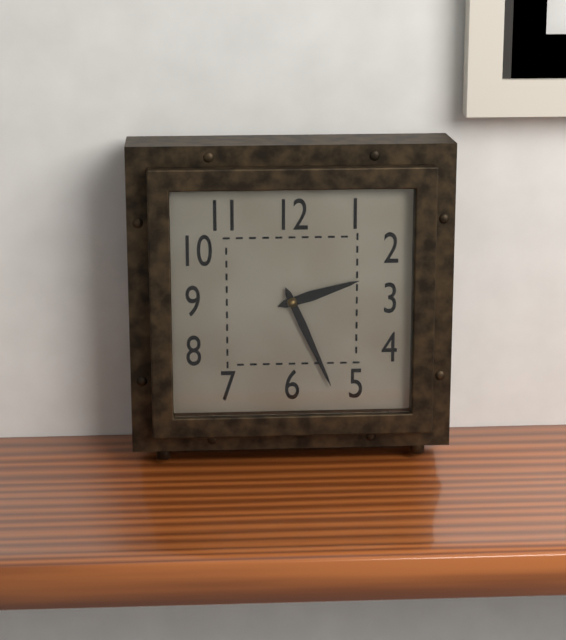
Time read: 2.26
